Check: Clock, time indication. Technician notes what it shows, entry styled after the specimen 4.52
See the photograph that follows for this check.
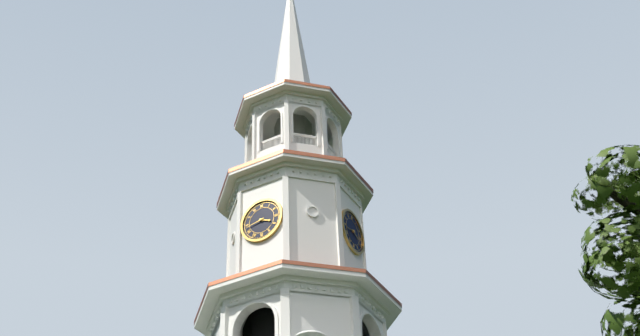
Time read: 3.43
